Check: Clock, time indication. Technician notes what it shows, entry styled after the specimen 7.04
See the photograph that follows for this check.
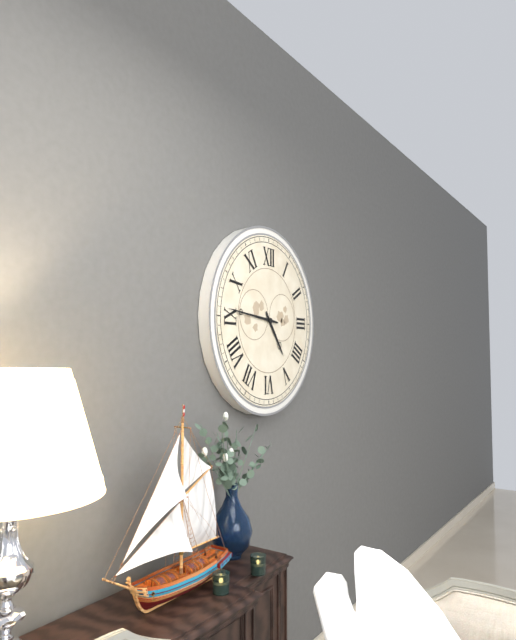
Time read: 4.46
